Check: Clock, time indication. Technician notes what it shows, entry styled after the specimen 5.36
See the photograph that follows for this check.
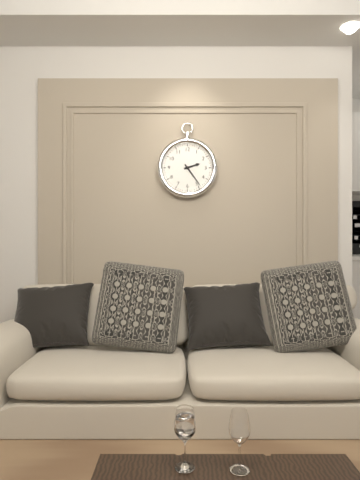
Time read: 2.24
